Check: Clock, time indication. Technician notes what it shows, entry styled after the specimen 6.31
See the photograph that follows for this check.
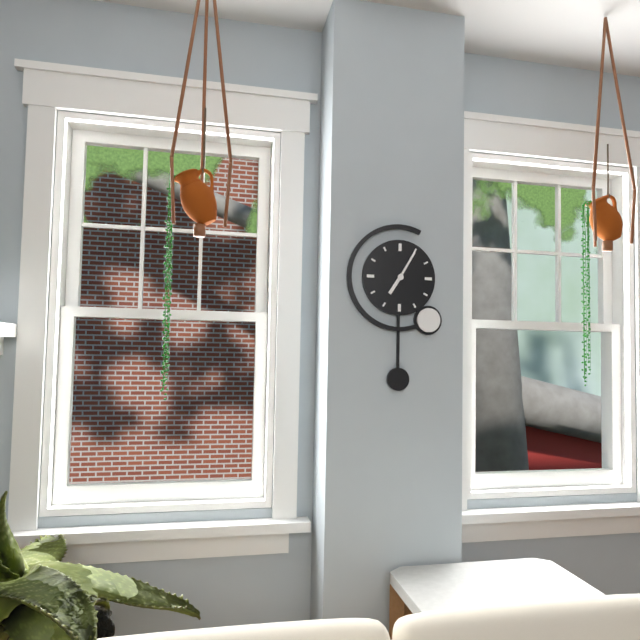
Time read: 7.05
